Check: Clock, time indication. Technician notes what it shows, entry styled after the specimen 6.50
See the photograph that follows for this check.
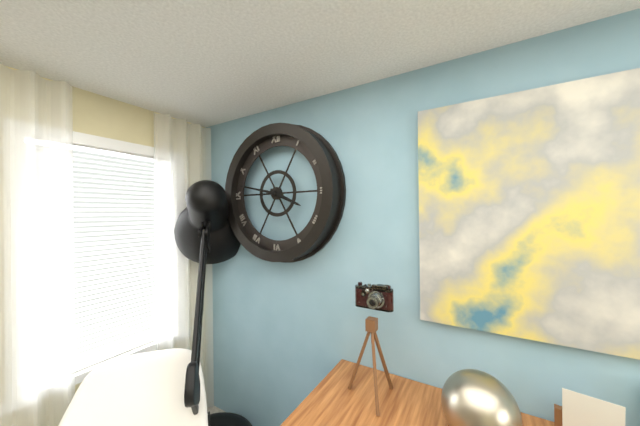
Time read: 3.47
